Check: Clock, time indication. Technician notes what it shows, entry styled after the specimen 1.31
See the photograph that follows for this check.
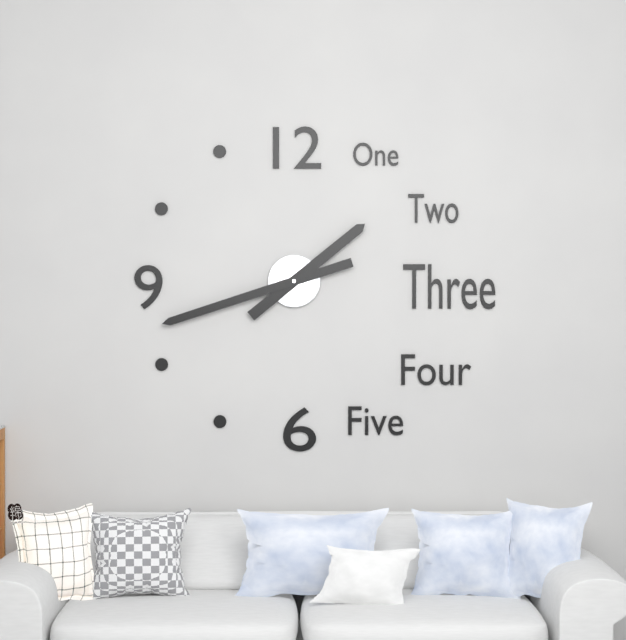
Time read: 1.42
